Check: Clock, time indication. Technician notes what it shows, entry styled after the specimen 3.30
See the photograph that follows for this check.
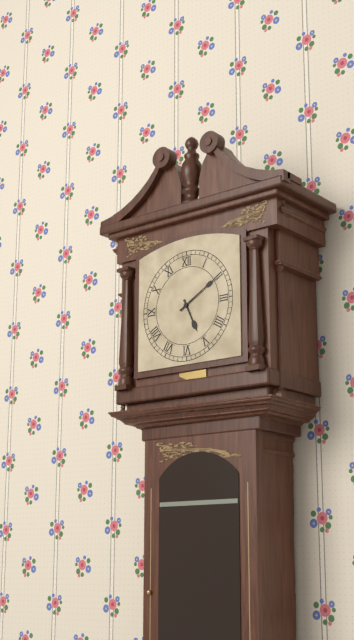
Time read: 5.10
